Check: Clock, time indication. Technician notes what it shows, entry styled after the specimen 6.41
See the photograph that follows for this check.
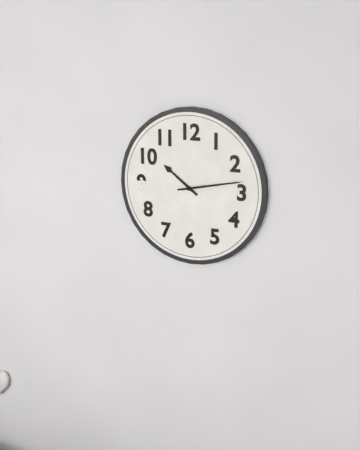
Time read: 10.13
